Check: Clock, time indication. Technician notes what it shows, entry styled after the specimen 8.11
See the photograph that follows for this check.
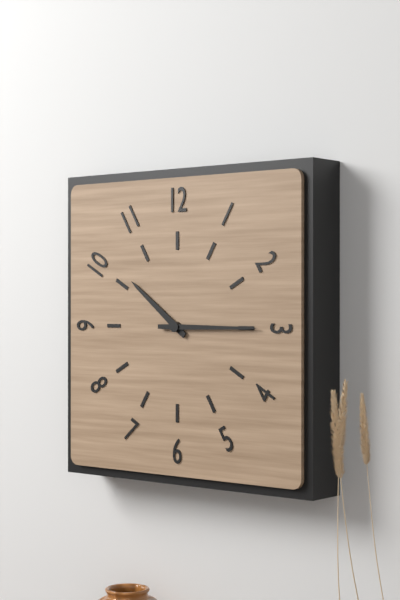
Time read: 10.15
